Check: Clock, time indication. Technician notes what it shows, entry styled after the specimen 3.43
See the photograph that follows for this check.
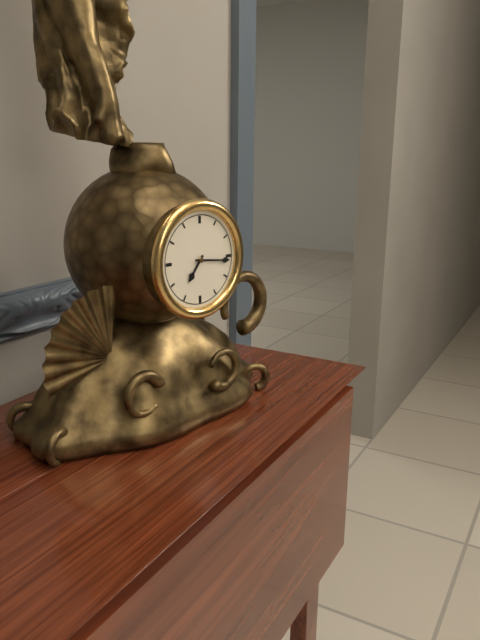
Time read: 7.16
